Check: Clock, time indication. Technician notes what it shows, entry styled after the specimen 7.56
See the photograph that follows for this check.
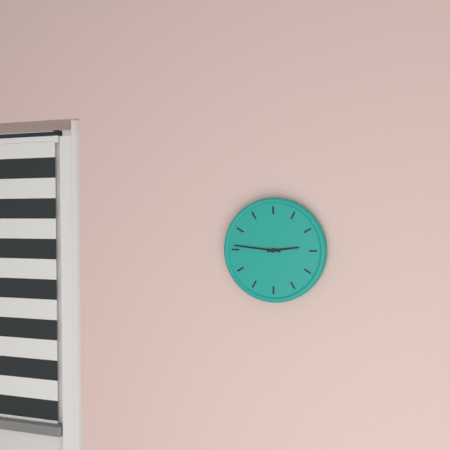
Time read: 2.46
